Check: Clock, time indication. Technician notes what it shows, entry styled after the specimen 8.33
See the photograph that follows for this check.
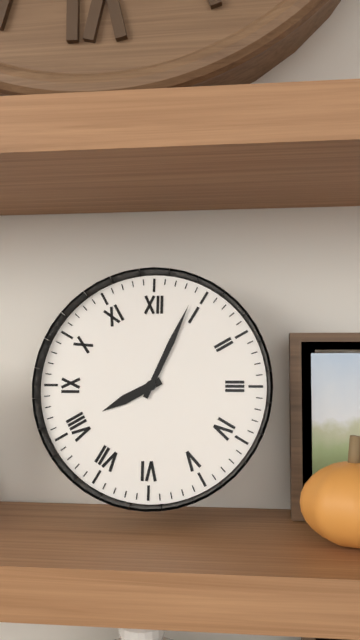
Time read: 8.04
